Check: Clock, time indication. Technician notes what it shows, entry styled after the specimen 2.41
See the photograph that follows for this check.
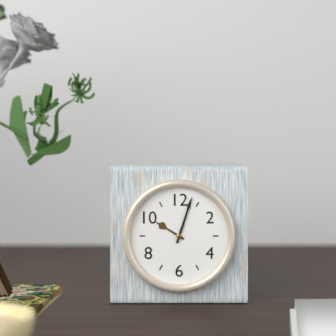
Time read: 10.03
